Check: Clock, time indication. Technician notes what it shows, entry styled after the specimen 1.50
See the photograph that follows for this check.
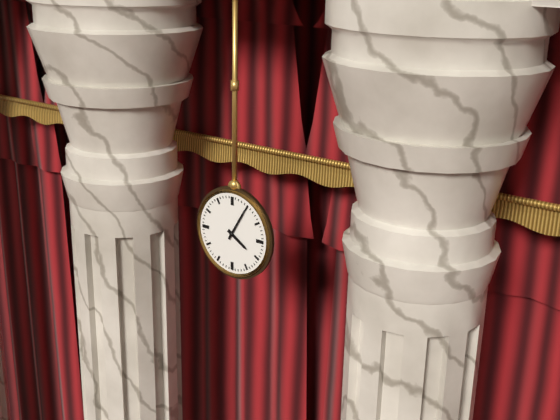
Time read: 4.05
